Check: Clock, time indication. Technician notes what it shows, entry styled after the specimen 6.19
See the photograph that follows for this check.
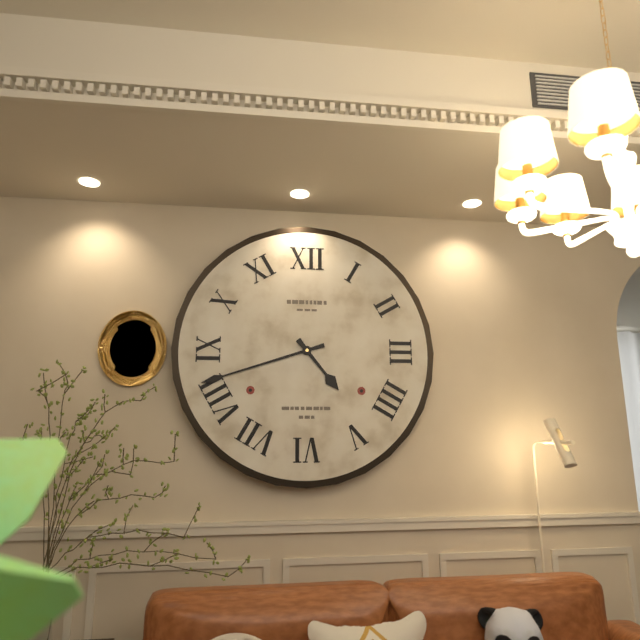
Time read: 4.42
